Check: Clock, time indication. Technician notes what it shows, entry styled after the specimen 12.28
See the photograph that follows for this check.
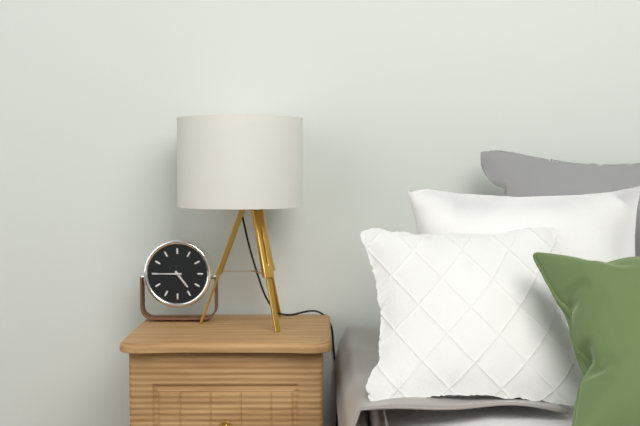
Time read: 4.45
